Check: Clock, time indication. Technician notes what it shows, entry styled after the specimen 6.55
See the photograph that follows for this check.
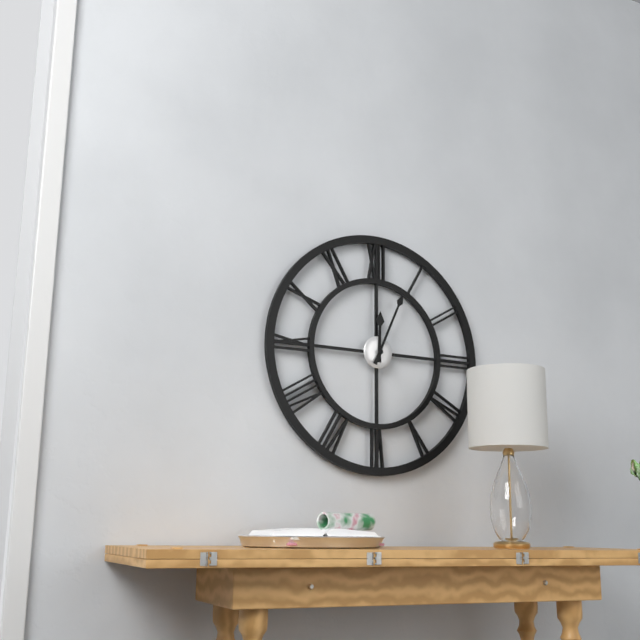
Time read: 12.04
